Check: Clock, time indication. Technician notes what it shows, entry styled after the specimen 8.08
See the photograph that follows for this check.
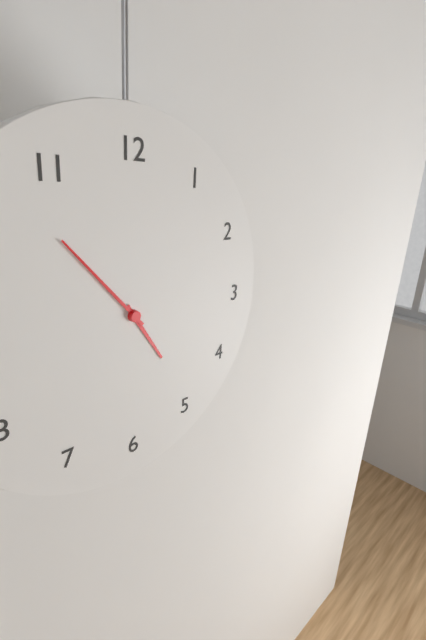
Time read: 4.53
